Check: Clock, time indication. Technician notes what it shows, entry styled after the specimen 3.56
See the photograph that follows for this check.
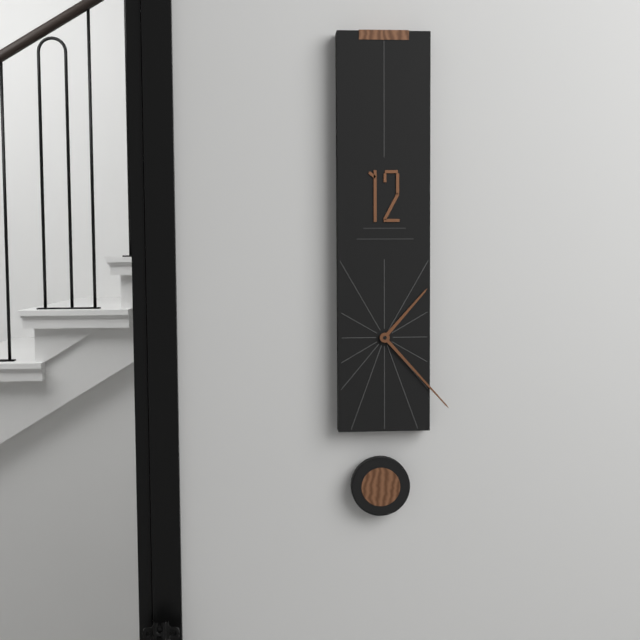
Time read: 1.23
